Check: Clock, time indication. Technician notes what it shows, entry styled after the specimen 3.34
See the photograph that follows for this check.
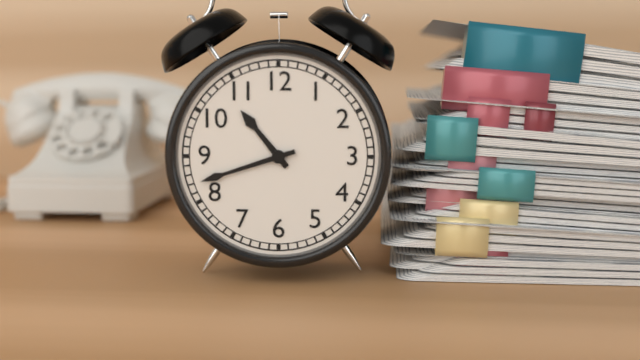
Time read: 10.42
